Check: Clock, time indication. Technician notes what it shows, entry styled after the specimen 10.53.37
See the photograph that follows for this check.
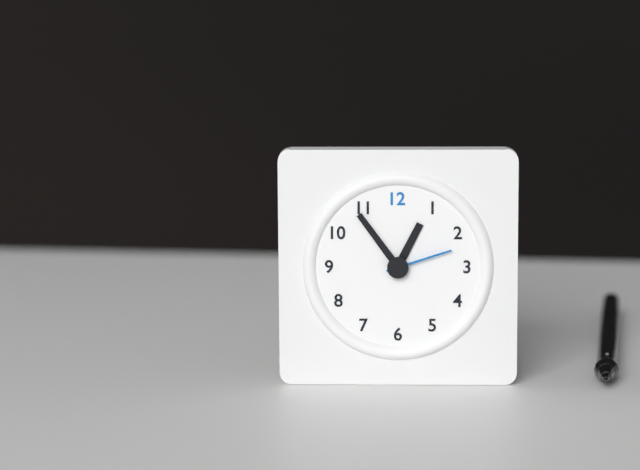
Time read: 12.54.12
